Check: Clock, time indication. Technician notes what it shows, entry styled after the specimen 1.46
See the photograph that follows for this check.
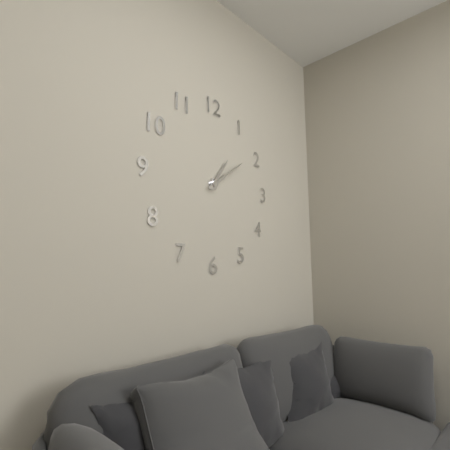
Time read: 1.09
